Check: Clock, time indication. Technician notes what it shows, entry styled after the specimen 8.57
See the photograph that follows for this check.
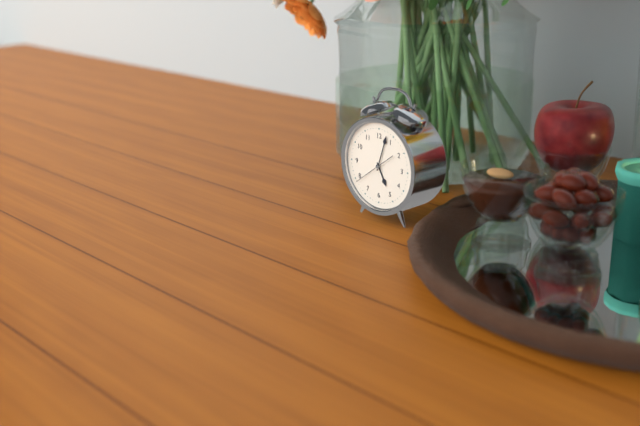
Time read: 5.03
